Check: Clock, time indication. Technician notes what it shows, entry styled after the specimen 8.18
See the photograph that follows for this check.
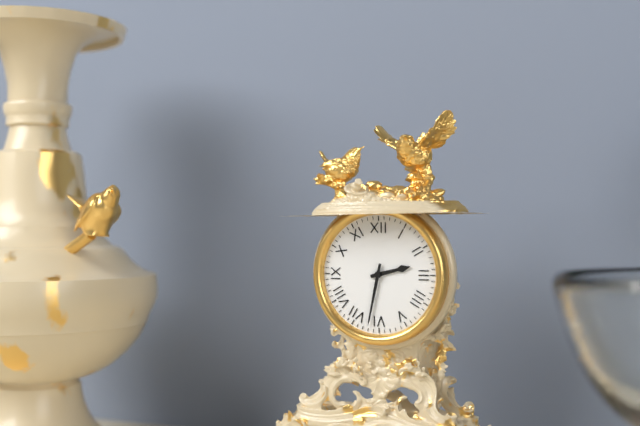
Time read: 2.32
